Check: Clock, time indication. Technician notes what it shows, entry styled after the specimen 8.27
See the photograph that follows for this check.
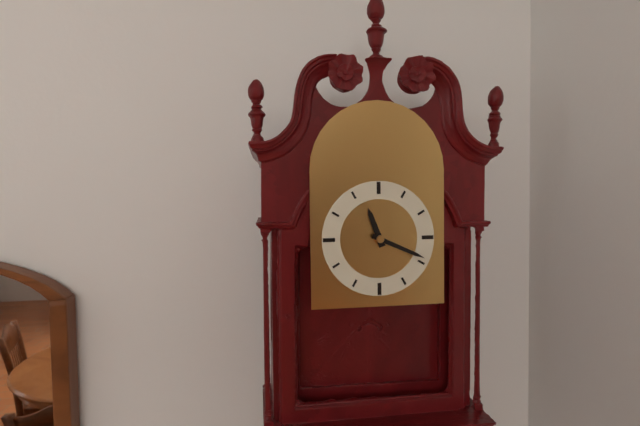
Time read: 11.19
